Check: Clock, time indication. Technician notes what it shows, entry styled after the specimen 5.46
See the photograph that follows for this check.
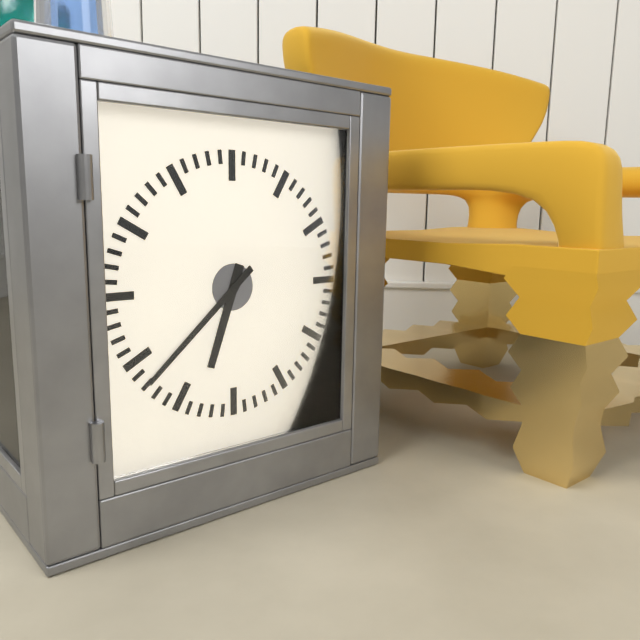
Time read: 6.38
